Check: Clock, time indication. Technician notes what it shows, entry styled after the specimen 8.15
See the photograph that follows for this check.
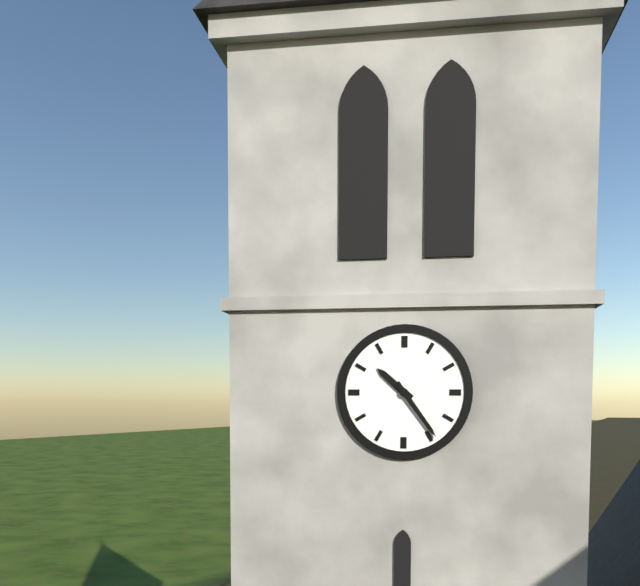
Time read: 10.24
